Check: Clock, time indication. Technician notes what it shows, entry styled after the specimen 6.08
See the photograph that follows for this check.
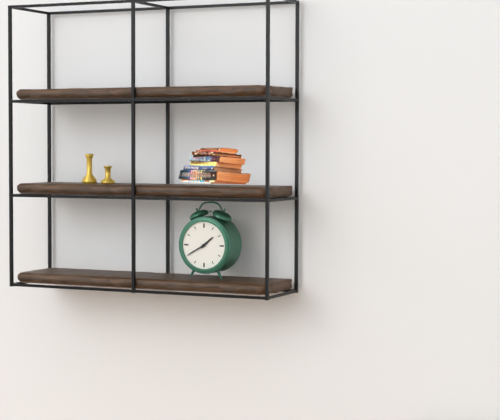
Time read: 1.40
